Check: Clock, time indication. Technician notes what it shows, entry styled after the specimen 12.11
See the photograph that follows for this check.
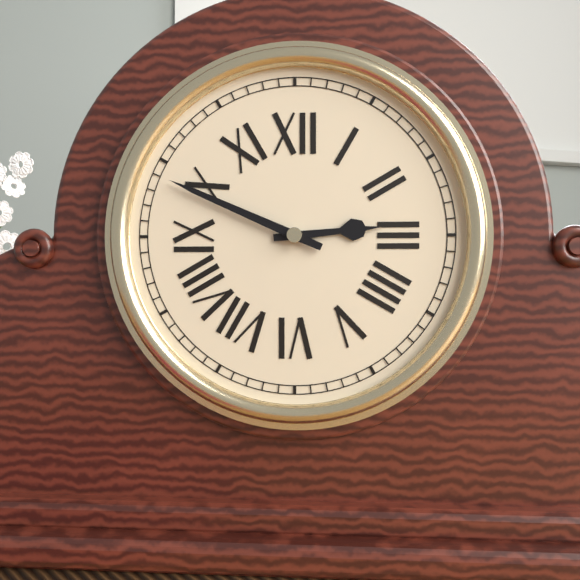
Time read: 2.49
